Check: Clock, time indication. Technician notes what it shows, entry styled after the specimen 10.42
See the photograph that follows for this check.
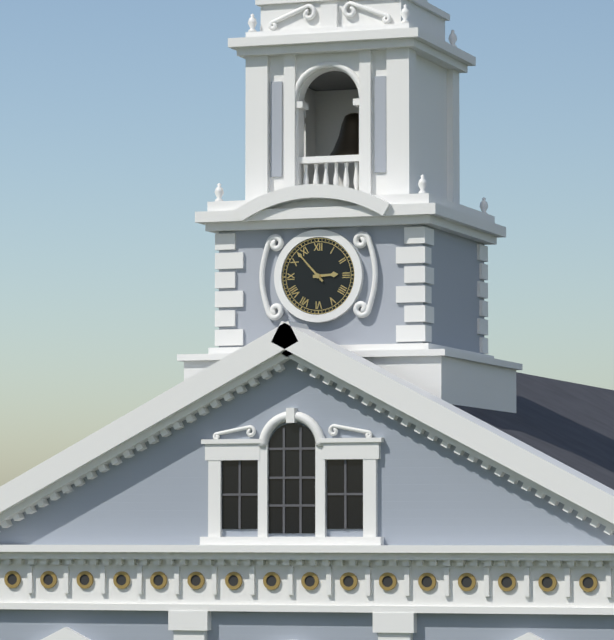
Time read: 2.53
